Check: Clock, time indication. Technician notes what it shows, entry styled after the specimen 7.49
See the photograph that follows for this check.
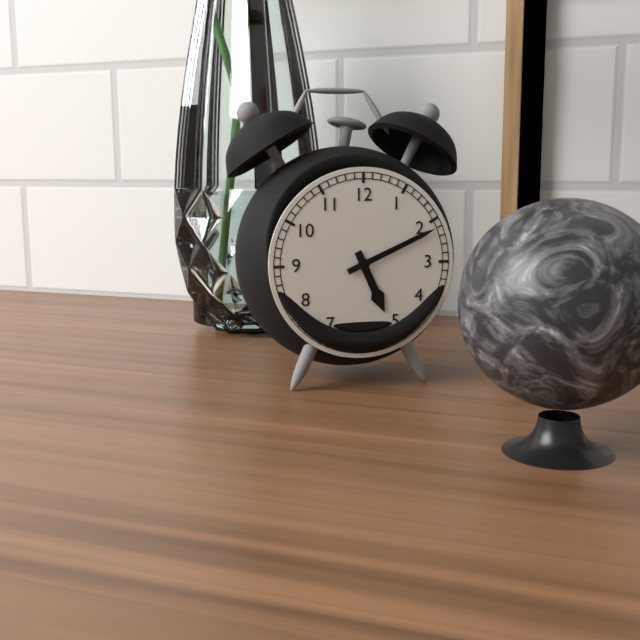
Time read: 5.11
